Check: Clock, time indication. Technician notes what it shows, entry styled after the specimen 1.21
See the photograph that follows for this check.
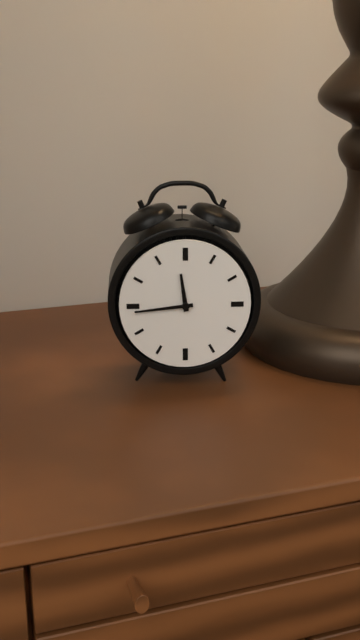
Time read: 11.44
